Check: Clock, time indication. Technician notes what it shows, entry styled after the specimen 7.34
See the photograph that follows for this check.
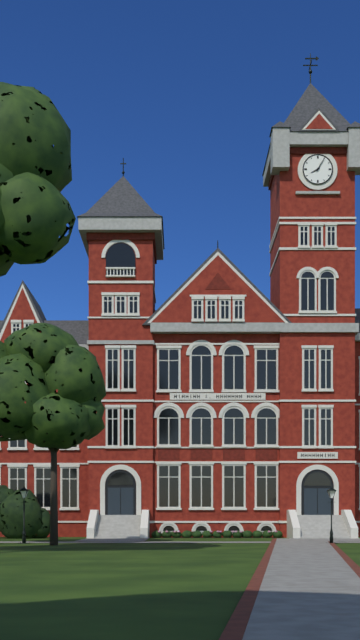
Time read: 8.05
